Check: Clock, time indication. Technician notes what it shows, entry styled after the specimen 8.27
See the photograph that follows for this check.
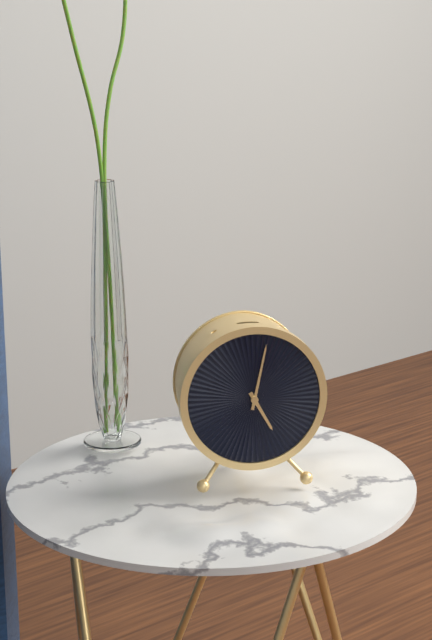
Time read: 5.02
